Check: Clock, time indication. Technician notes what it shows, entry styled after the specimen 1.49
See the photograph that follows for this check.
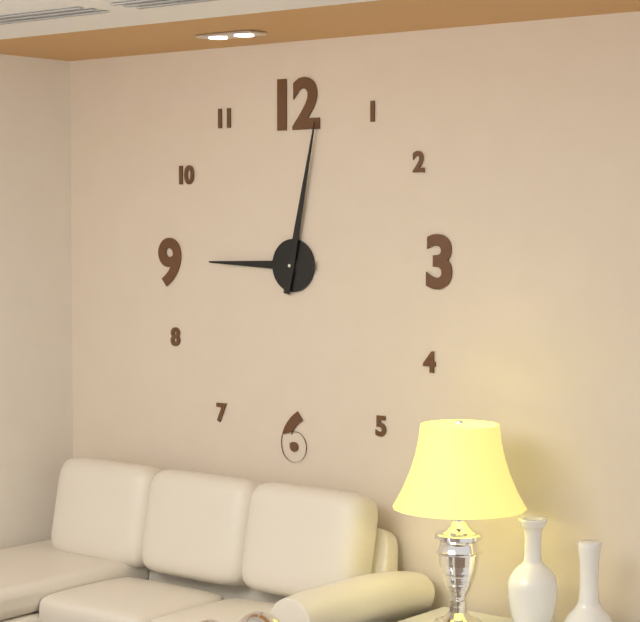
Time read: 9.02
